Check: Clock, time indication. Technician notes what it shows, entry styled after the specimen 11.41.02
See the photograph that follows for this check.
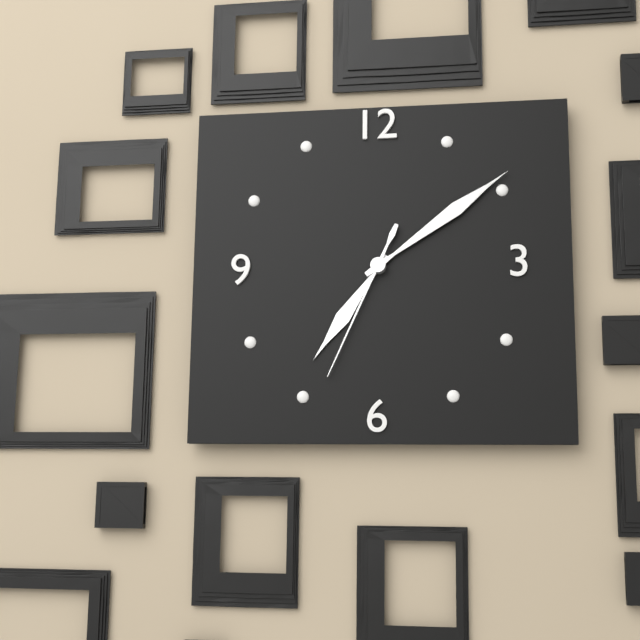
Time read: 7.09.34
